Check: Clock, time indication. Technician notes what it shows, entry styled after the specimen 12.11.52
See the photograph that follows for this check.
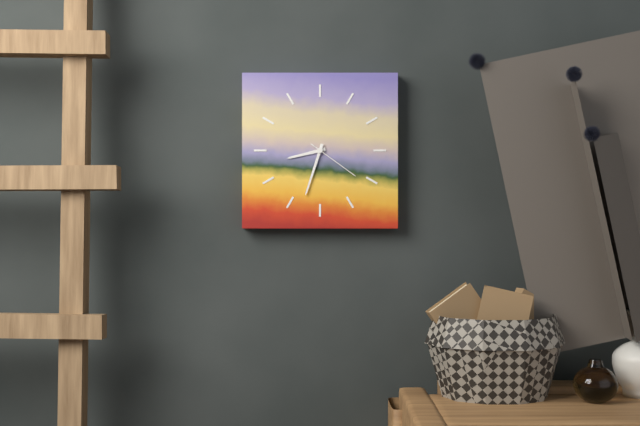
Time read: 8.33.21
